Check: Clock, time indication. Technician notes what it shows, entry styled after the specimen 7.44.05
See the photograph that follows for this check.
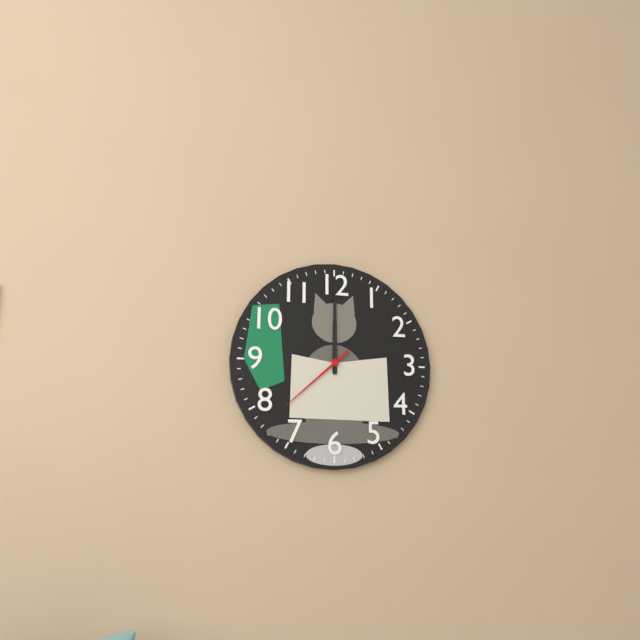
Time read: 12.00.38
